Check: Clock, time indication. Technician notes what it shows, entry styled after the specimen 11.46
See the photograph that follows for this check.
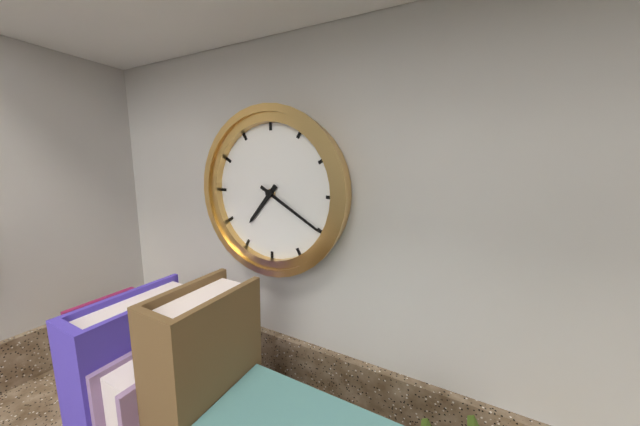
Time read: 7.20
